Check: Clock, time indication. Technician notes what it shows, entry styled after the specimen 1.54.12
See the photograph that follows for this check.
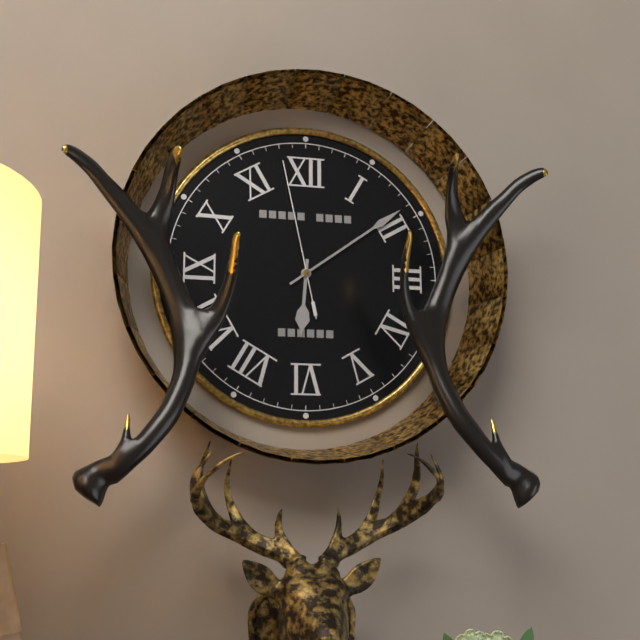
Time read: 6.09.58
